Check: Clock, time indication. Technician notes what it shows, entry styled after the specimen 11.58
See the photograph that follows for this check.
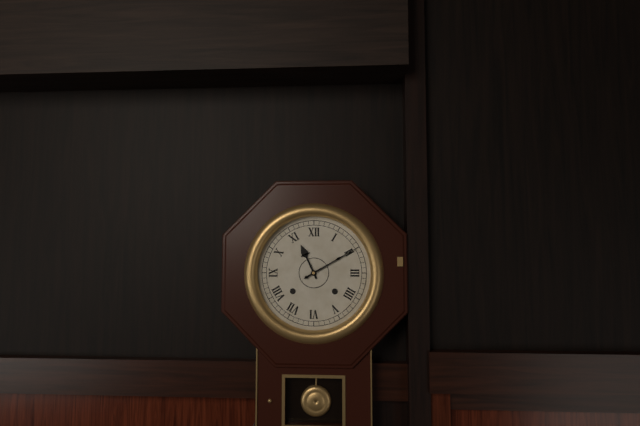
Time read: 11.10
